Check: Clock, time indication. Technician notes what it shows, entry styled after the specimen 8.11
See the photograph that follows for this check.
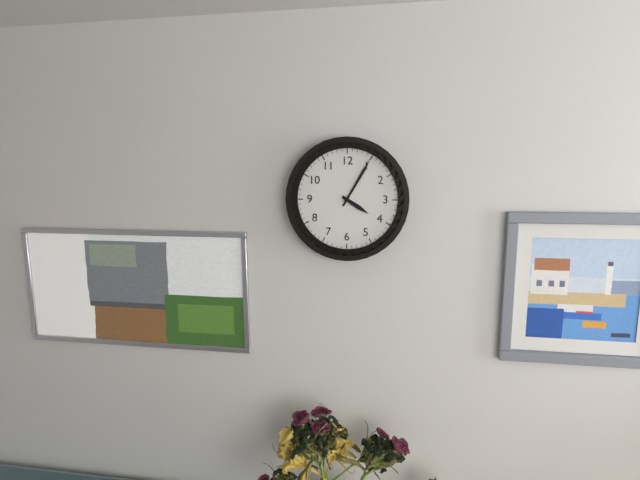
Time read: 4.05
